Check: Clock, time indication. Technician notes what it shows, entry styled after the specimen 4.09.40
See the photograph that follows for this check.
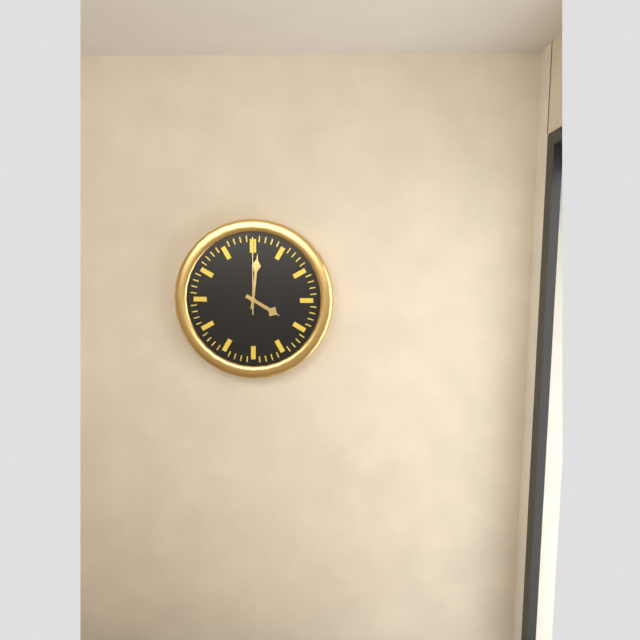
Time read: 4.01.00
